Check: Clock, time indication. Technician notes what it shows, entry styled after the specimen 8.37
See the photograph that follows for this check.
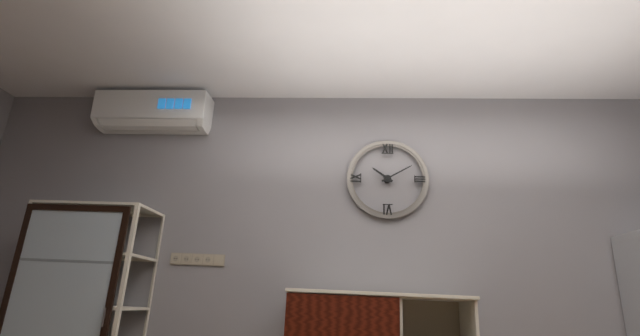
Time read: 10.10
